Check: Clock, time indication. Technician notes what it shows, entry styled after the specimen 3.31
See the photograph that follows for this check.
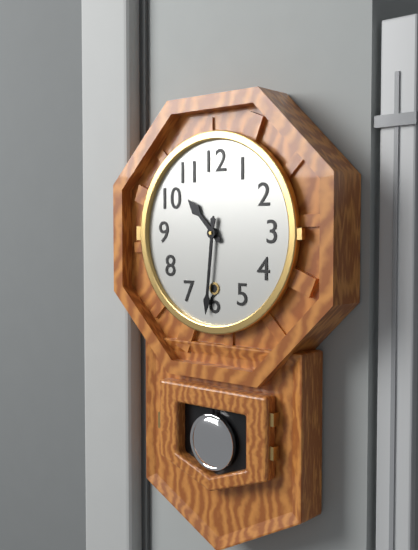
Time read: 10.31
